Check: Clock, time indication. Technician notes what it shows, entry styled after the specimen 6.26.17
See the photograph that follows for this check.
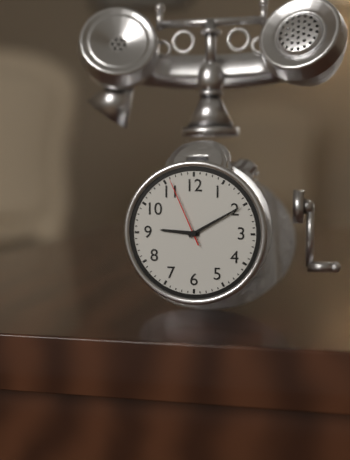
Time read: 9.10.56
